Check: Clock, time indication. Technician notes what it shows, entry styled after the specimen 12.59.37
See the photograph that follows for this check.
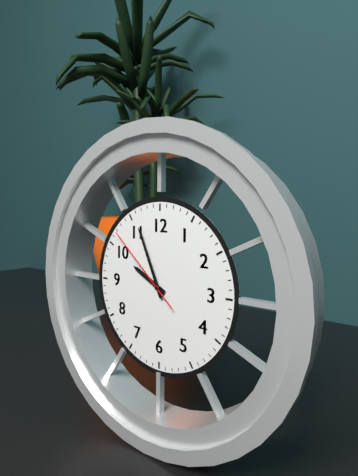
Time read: 9.56.52
